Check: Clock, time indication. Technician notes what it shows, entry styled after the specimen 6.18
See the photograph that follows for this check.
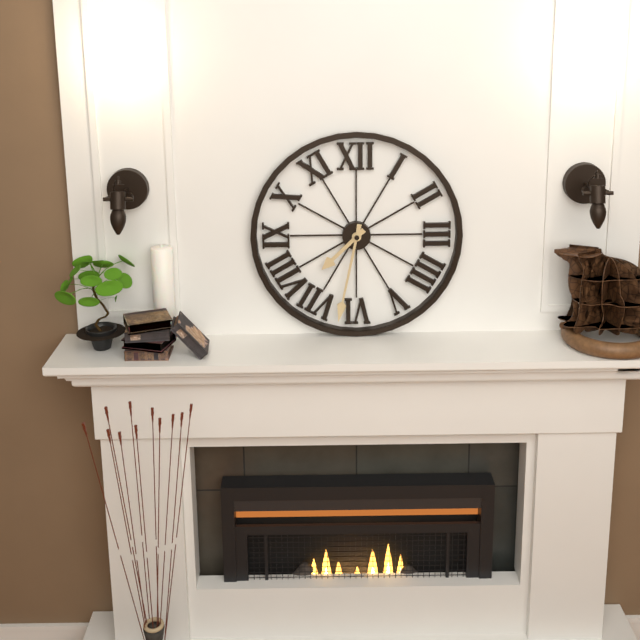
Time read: 7.32
